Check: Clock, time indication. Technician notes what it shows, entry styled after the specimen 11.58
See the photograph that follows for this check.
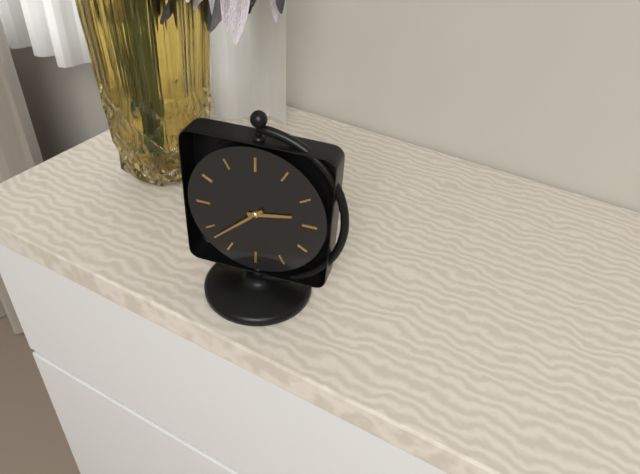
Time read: 2.38
